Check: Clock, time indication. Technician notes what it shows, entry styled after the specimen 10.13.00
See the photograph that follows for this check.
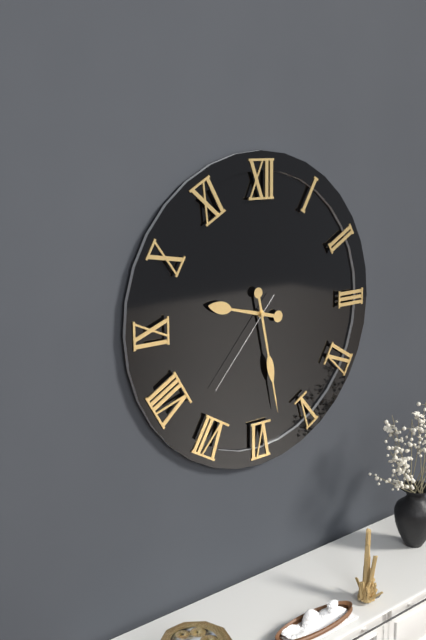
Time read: 9.28.37
